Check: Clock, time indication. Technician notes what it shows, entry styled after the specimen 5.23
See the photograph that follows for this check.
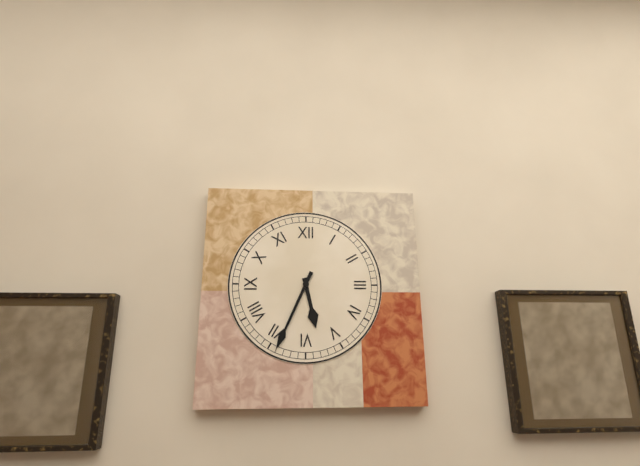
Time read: 5.34
